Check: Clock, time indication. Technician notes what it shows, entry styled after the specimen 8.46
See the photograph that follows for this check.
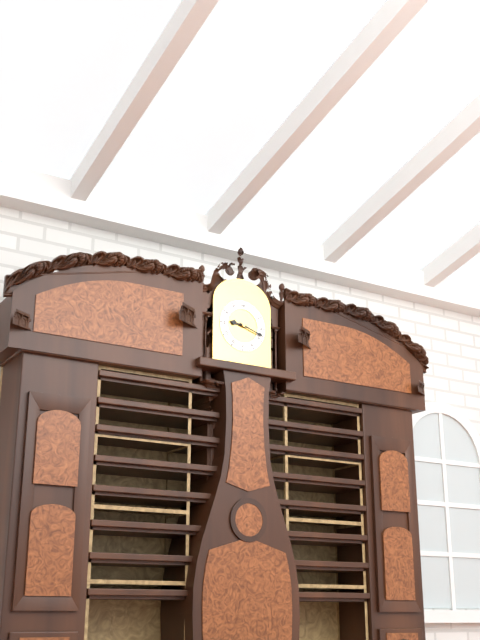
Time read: 9.18
